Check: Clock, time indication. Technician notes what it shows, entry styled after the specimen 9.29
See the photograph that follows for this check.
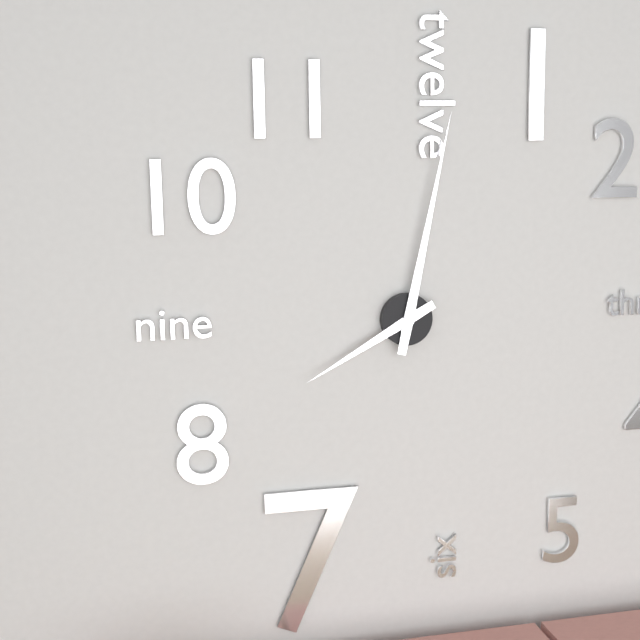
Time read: 8.02
